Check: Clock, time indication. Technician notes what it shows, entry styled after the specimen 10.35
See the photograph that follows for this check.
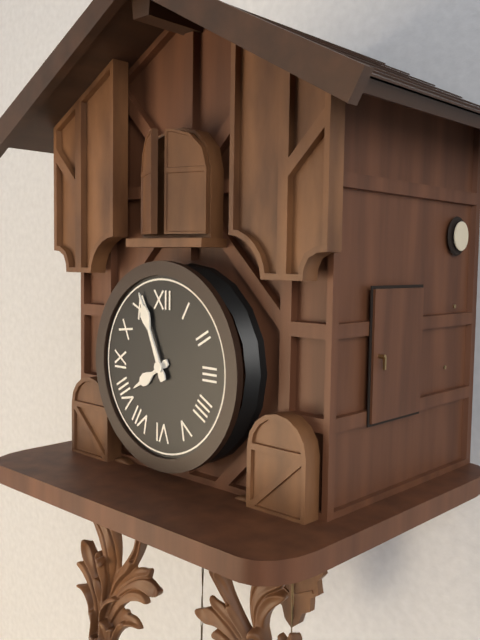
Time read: 7.56
